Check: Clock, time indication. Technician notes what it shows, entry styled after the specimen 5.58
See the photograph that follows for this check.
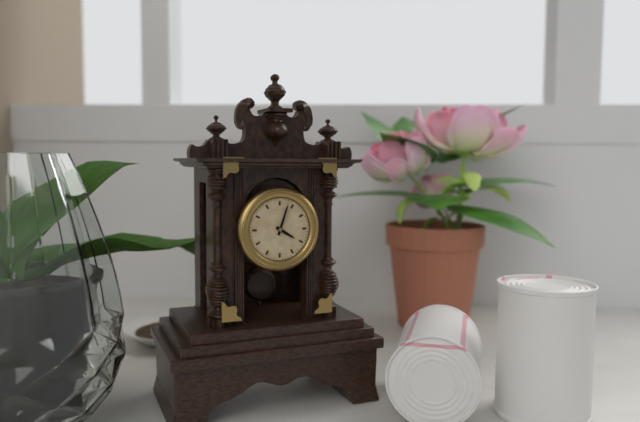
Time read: 4.03
